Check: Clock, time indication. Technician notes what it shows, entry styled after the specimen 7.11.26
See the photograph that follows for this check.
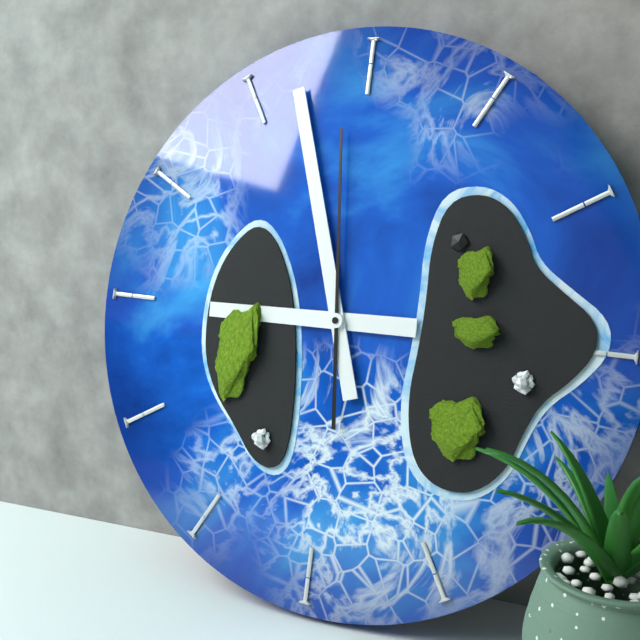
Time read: 8.57.59
